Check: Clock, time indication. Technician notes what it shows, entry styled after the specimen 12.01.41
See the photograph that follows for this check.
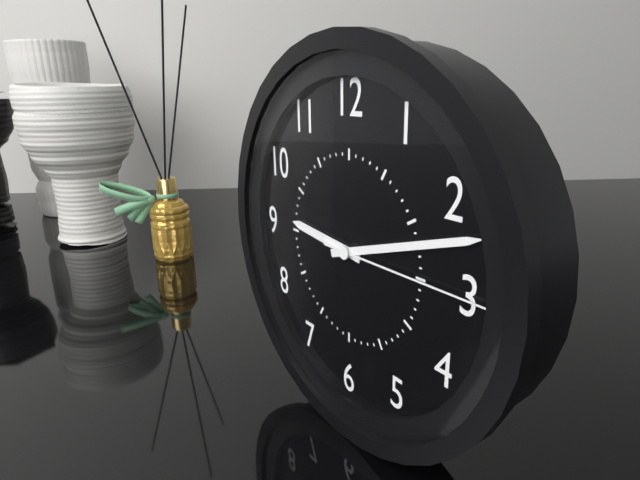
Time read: 9.12.15
